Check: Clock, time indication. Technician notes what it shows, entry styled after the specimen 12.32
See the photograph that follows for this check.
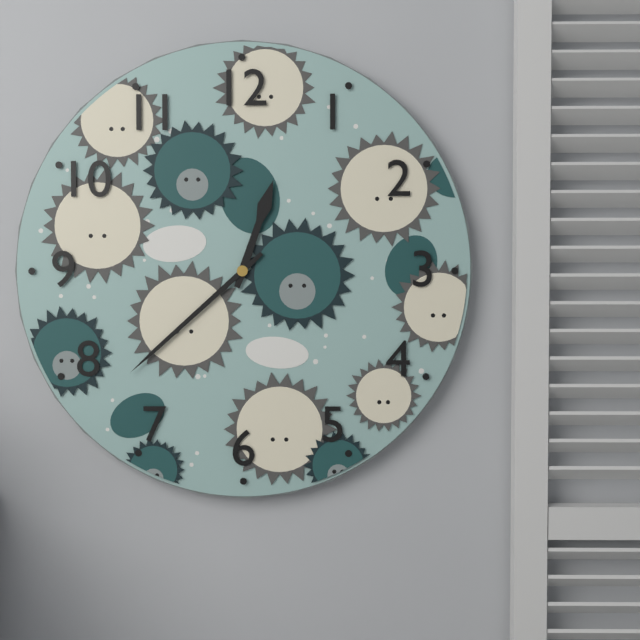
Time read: 12.38
